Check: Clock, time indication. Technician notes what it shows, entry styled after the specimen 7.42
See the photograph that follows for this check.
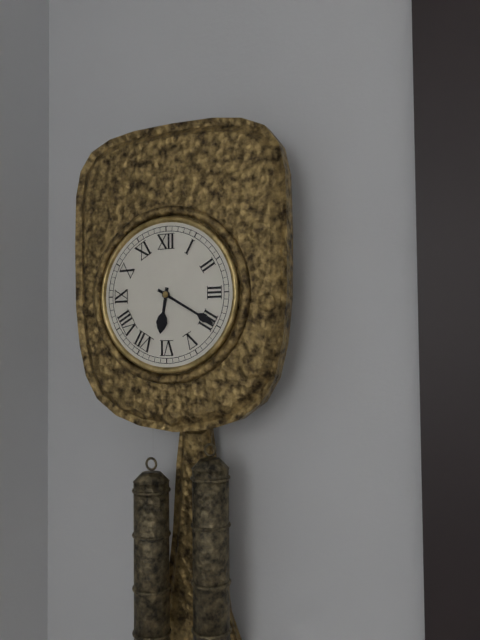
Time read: 6.20
